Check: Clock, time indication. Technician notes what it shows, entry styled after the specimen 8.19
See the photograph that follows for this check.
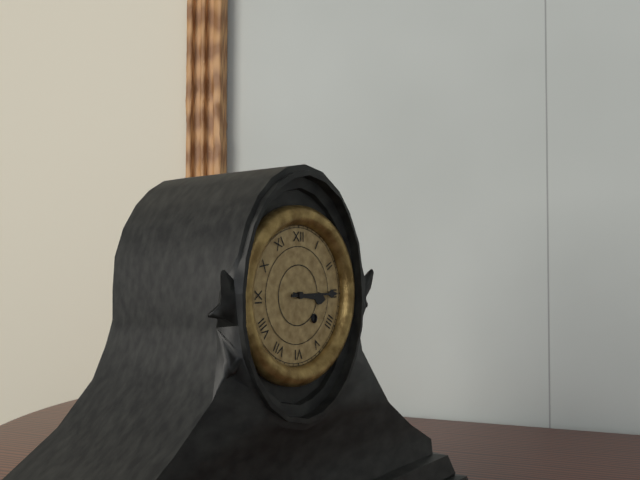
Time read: 3.15
